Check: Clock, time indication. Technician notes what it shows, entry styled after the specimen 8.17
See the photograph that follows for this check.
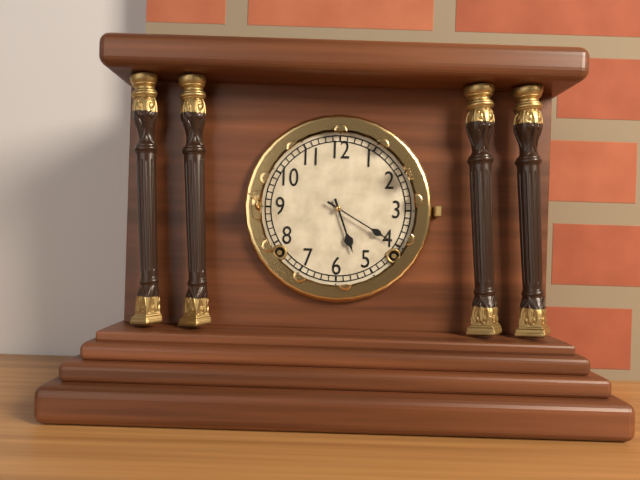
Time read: 5.20
